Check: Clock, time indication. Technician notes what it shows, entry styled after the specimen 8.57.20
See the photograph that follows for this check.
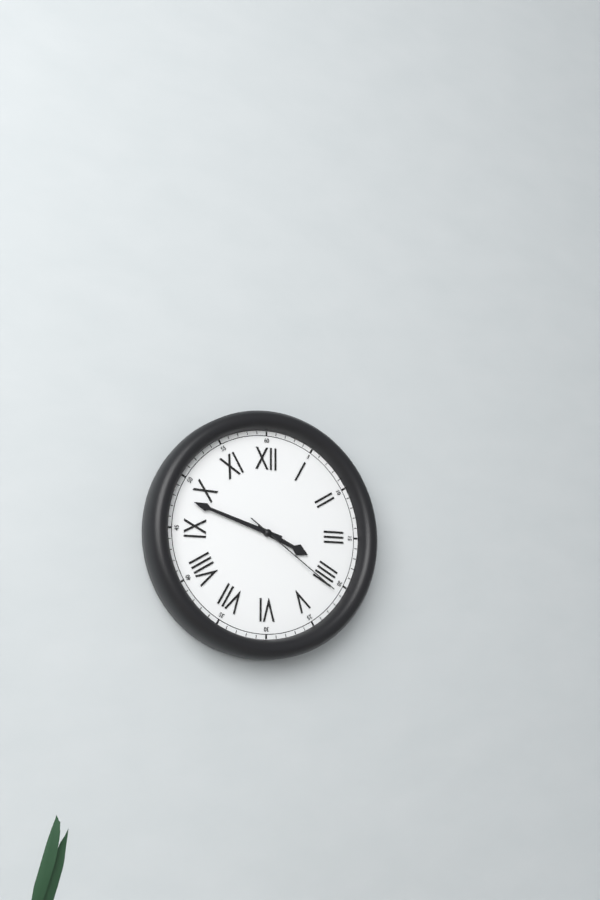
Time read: 3.48.21
